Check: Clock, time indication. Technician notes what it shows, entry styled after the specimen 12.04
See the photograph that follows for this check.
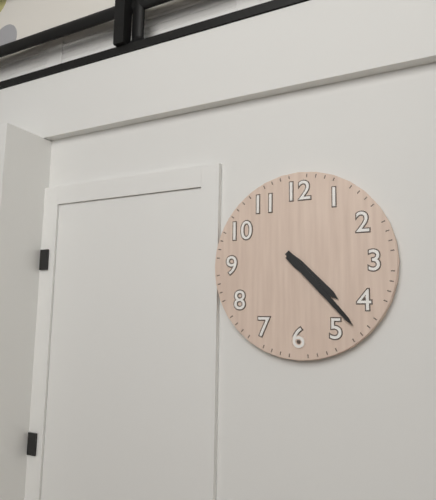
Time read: 4.23
